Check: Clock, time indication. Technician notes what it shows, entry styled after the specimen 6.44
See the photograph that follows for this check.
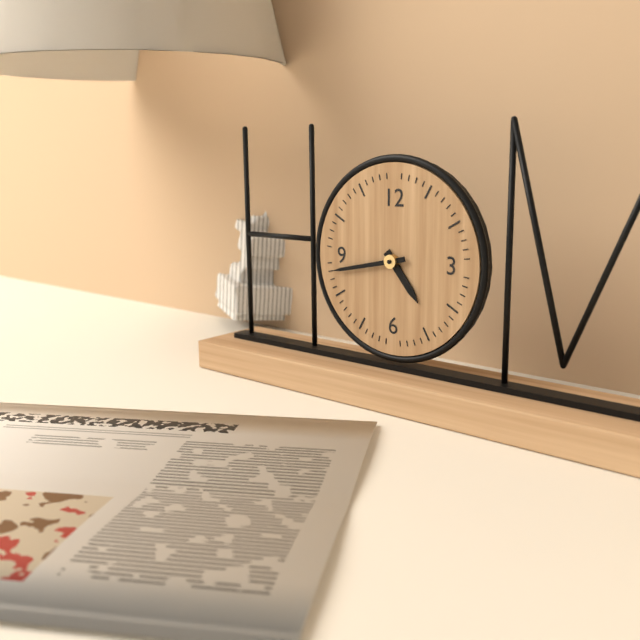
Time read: 4.43
